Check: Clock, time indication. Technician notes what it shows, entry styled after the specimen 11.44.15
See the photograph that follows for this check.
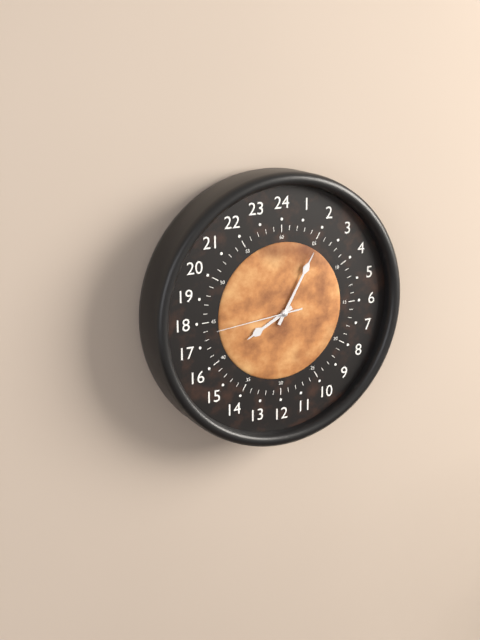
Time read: 8.05.44
